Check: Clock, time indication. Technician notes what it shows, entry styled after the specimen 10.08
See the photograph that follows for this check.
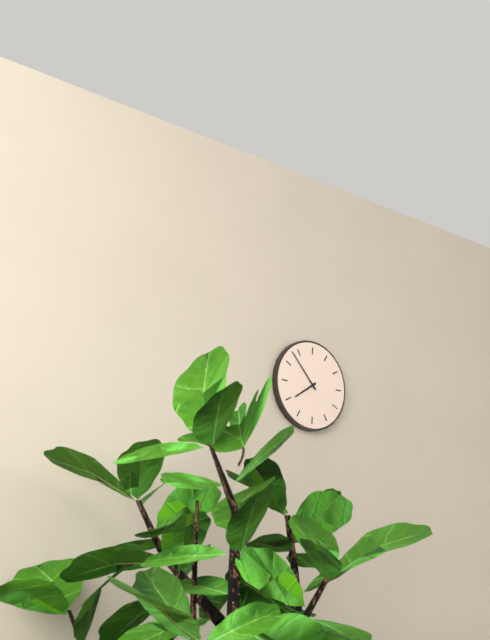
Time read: 7.53
